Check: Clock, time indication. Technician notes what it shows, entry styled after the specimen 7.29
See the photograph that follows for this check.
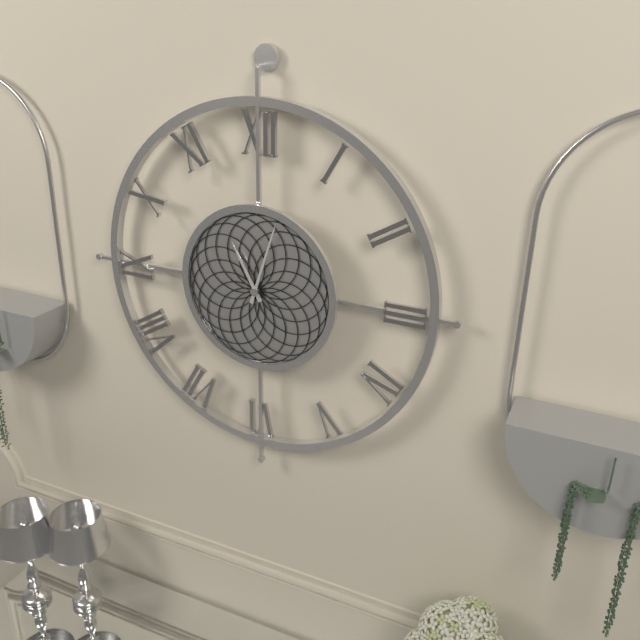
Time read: 11.03
